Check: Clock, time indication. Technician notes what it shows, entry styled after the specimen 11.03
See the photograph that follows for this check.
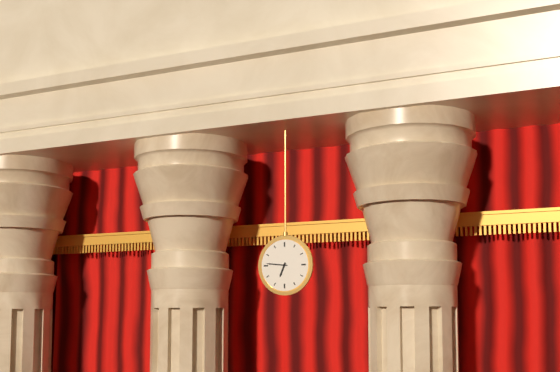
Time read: 6.46
